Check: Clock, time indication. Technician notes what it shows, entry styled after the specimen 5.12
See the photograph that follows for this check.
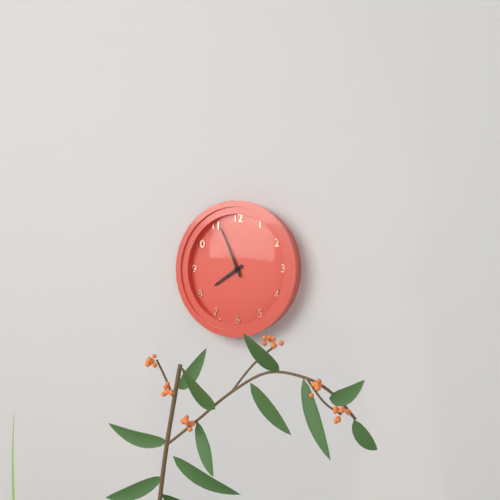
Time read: 7.56
